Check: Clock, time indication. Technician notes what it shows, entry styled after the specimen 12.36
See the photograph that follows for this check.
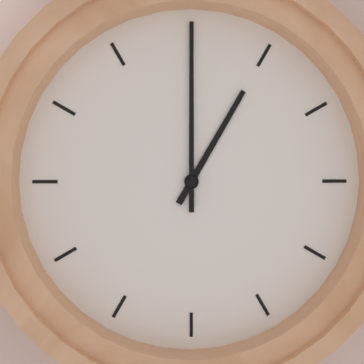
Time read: 1.00
